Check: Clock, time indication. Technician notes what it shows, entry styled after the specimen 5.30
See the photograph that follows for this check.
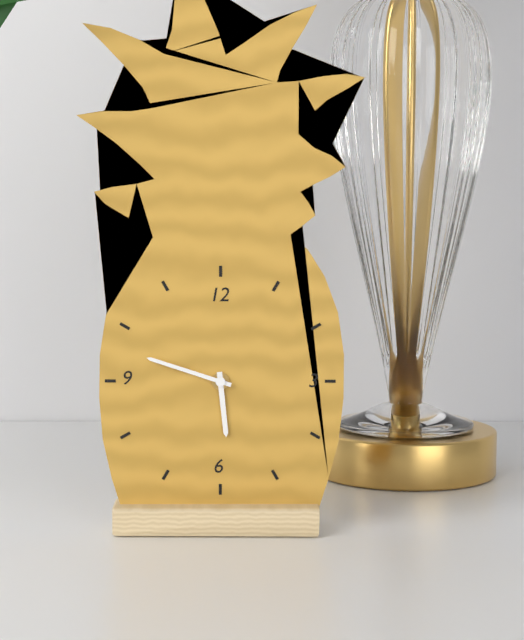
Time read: 5.48
